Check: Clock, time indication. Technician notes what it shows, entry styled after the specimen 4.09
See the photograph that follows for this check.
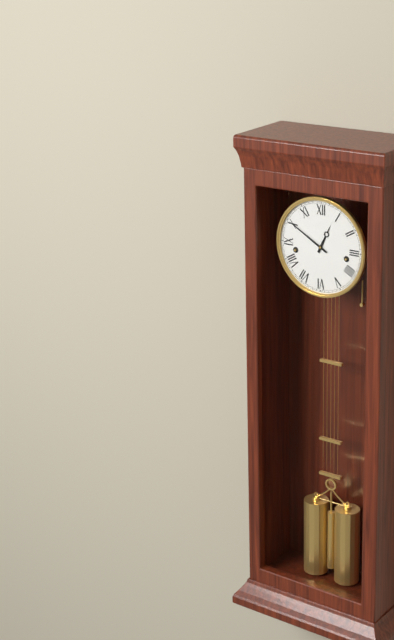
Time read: 12.50
